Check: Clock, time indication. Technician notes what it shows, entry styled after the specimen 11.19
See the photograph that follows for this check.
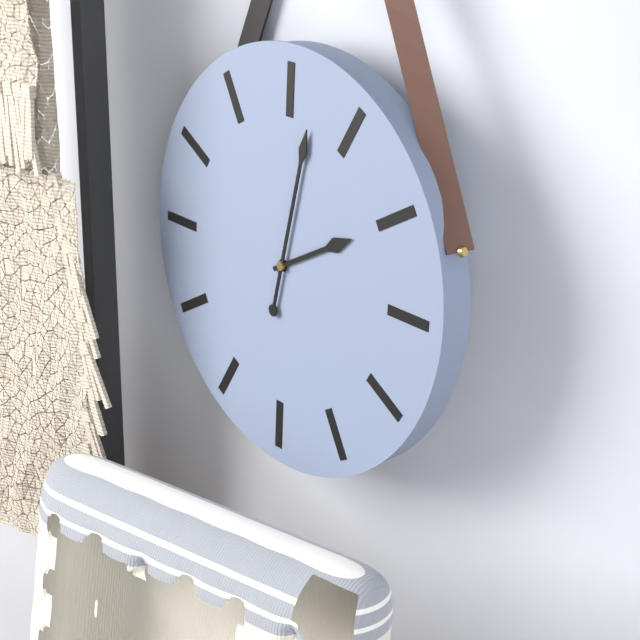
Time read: 2.02
